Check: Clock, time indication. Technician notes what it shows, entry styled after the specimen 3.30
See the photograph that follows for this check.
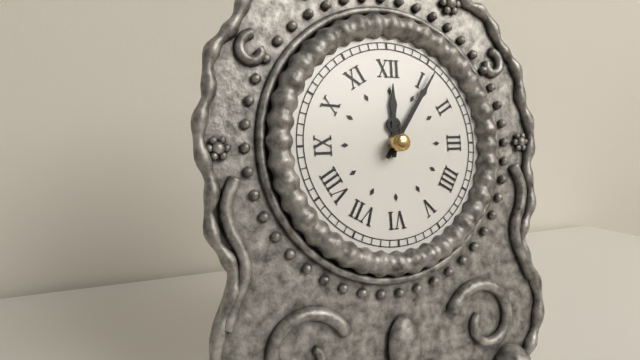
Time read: 12.06
